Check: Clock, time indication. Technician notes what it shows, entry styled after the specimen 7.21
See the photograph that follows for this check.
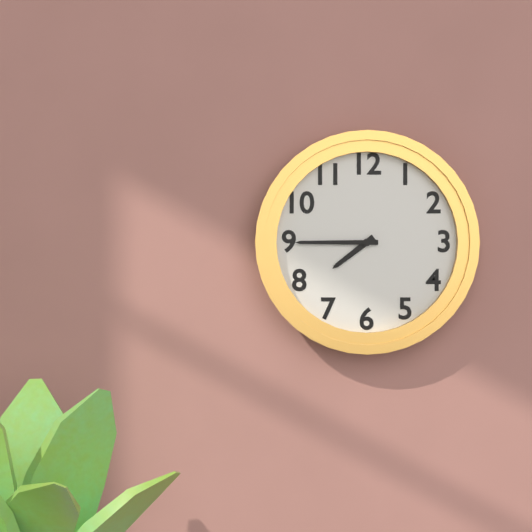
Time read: 7.45
